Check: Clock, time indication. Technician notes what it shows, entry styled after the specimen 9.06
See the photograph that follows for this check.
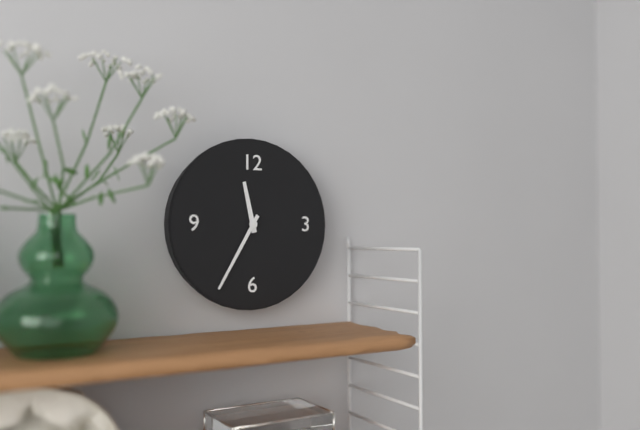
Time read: 11.35
